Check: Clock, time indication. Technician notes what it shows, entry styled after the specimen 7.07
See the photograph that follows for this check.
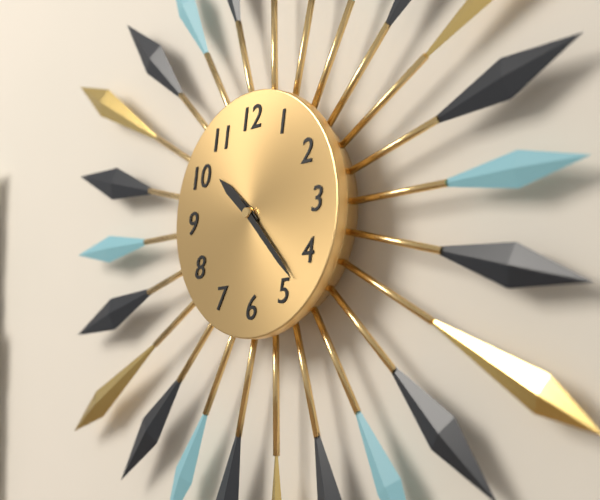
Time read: 10.23
